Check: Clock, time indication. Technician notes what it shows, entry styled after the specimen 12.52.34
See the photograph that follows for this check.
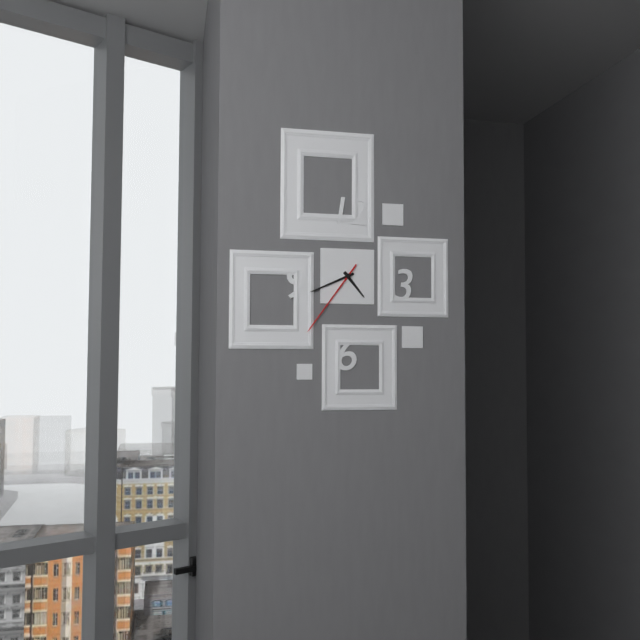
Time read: 4.41.36
